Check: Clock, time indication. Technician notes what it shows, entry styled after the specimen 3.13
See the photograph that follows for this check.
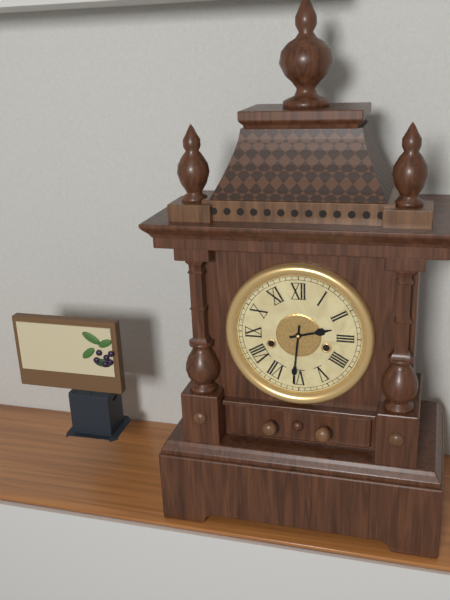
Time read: 2.31
